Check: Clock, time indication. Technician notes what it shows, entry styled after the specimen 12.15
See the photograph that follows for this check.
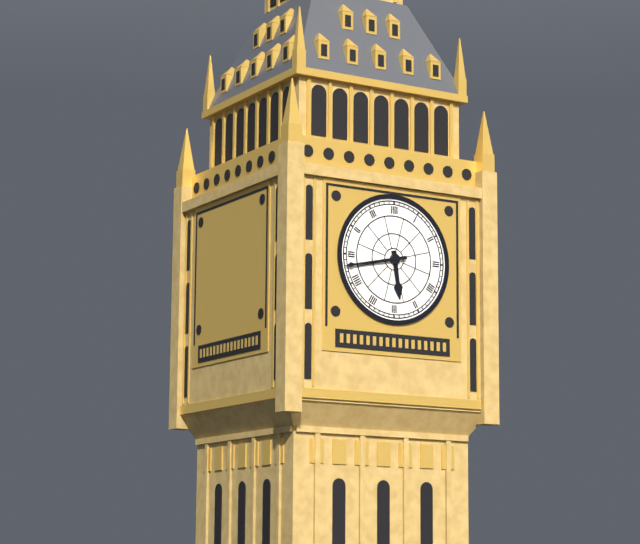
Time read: 5.43
